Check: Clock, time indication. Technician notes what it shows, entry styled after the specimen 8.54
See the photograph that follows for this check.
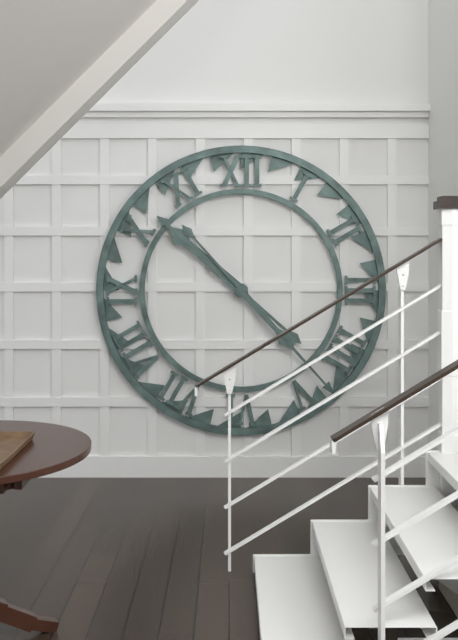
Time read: 10.23
